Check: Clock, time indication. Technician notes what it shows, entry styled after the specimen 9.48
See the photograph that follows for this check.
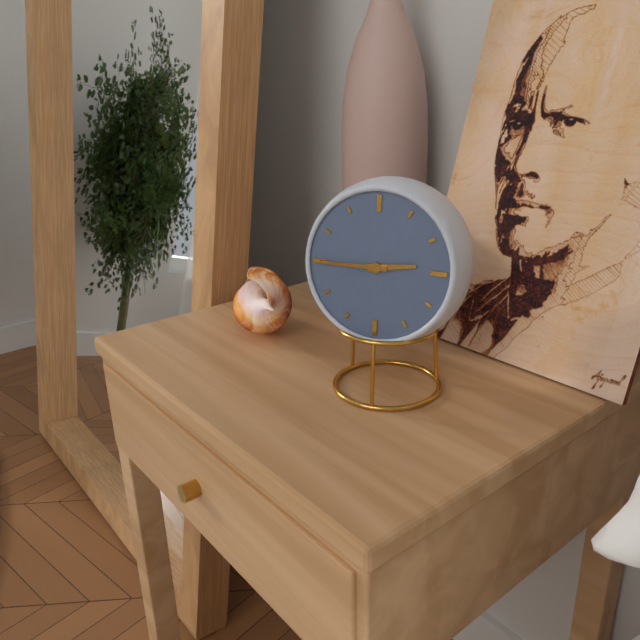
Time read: 2.45
